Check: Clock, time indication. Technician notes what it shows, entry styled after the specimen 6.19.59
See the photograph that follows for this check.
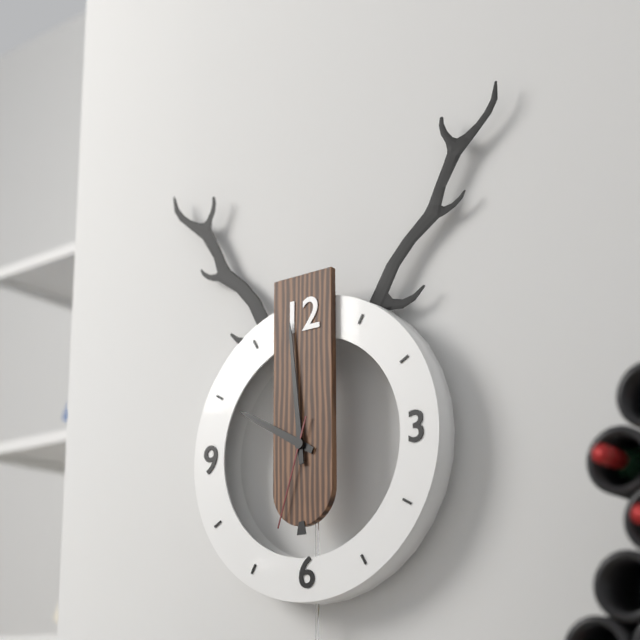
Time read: 9.59.33
